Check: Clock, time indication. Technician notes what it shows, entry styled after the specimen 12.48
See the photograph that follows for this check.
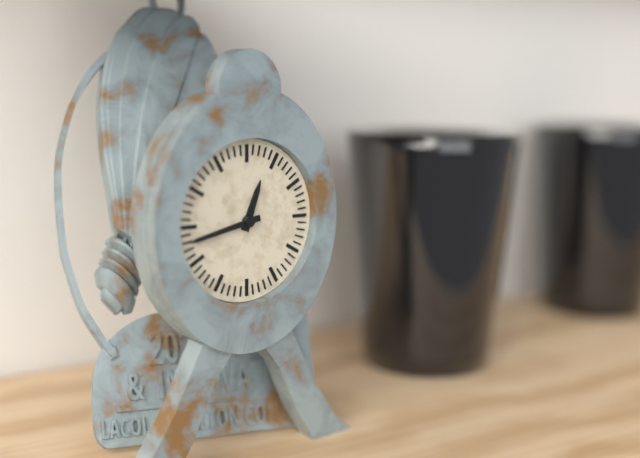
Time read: 12.43
